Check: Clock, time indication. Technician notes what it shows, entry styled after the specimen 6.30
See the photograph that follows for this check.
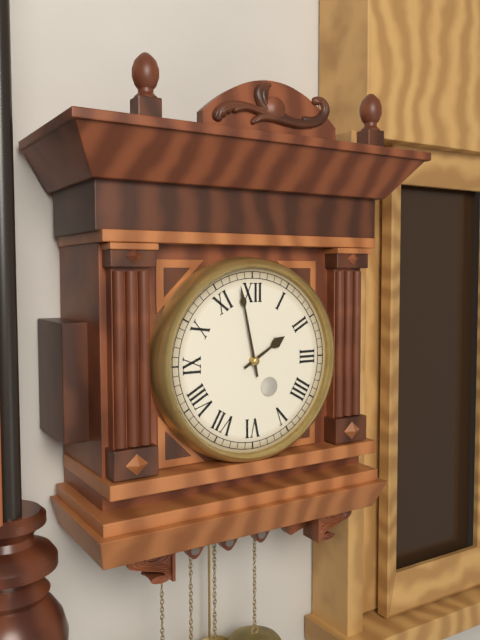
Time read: 1.58
